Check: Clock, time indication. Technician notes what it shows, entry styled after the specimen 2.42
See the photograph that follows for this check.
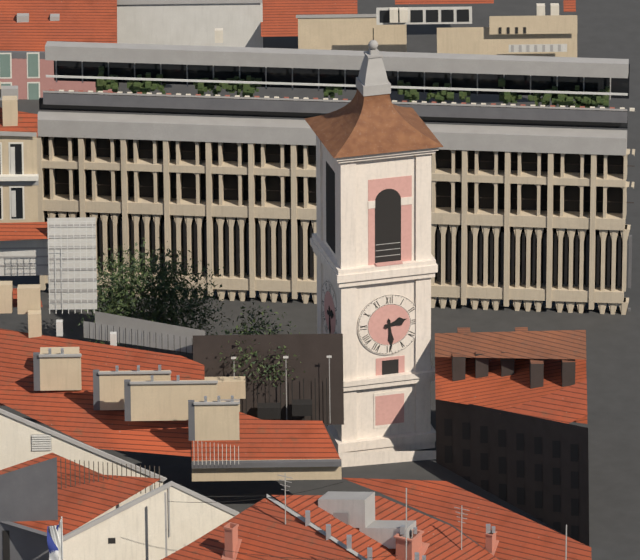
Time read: 2.29
